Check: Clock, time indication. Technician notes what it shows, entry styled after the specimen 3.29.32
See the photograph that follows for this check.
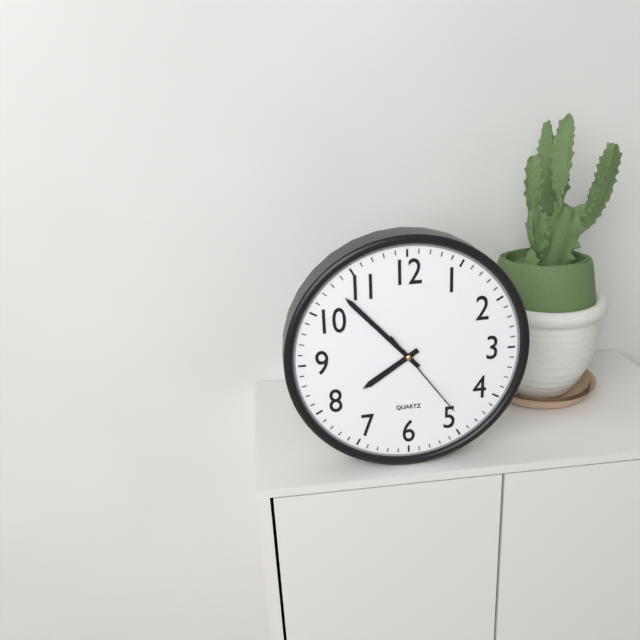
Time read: 7.53.24
